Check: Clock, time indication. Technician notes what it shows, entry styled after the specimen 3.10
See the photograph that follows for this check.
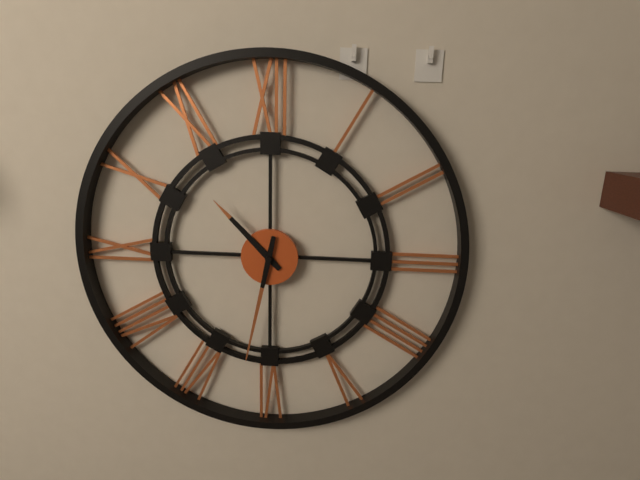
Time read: 10.32
